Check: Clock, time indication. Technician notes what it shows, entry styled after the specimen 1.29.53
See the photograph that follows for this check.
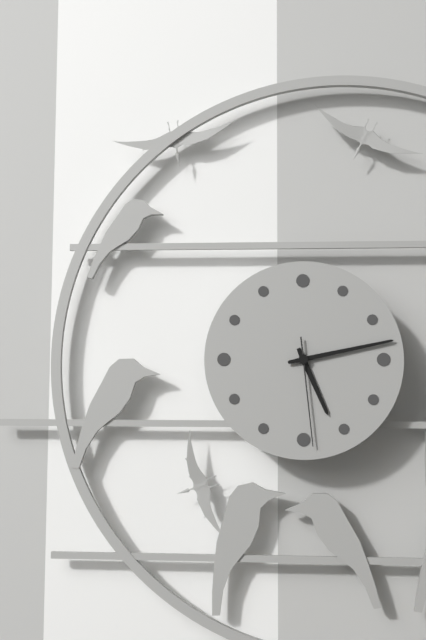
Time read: 5.13.29
